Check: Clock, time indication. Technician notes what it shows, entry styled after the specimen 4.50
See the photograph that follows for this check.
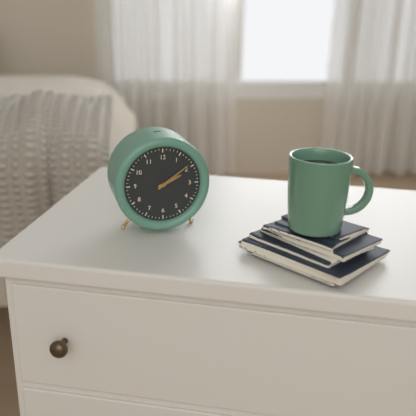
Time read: 2.09
